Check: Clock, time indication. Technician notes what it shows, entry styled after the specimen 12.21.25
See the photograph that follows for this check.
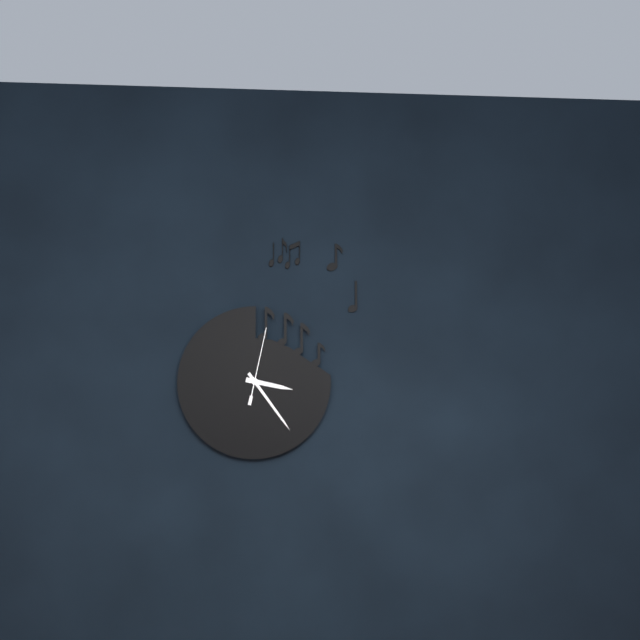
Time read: 3.24.02
